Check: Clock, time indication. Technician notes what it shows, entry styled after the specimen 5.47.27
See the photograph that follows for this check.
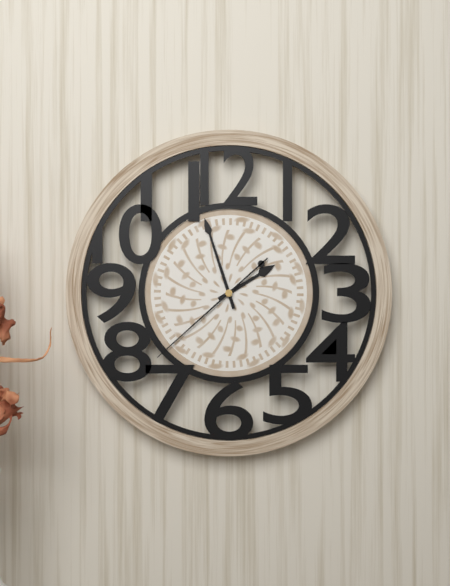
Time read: 1.57.38
